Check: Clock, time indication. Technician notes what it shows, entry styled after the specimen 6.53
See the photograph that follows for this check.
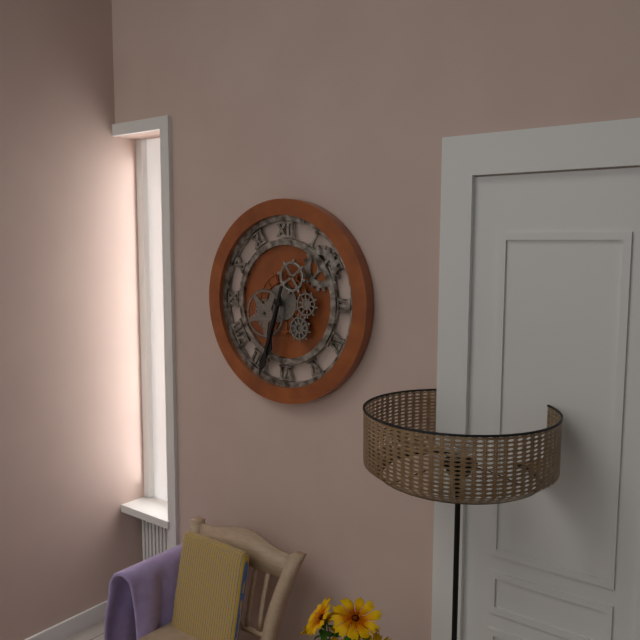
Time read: 6.33
